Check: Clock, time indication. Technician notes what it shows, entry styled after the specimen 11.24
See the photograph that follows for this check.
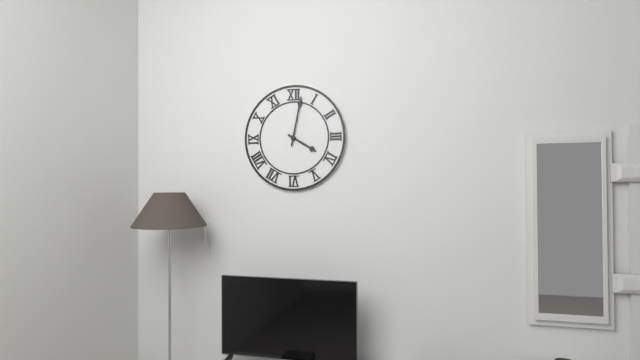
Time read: 4.02
